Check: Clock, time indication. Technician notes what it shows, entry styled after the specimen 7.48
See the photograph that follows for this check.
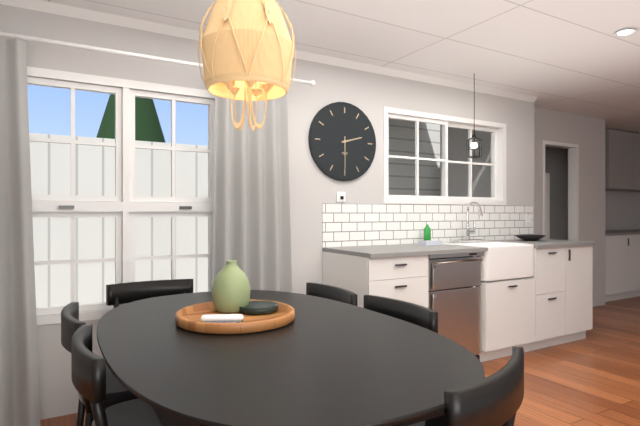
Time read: 2.30
